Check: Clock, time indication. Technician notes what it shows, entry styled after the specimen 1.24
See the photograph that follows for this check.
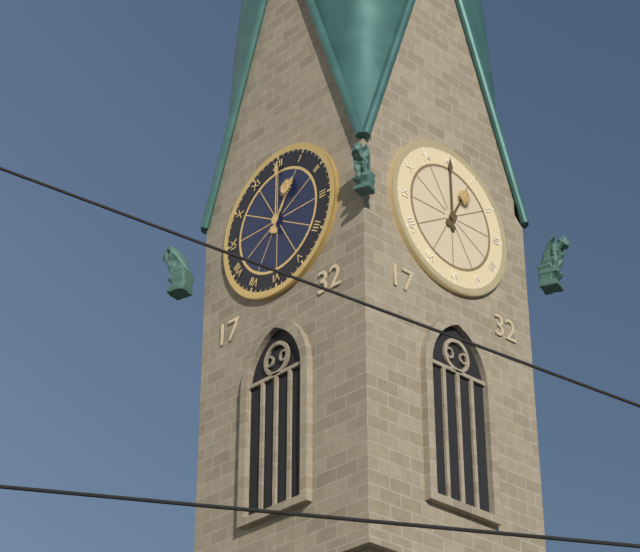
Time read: 1.00
